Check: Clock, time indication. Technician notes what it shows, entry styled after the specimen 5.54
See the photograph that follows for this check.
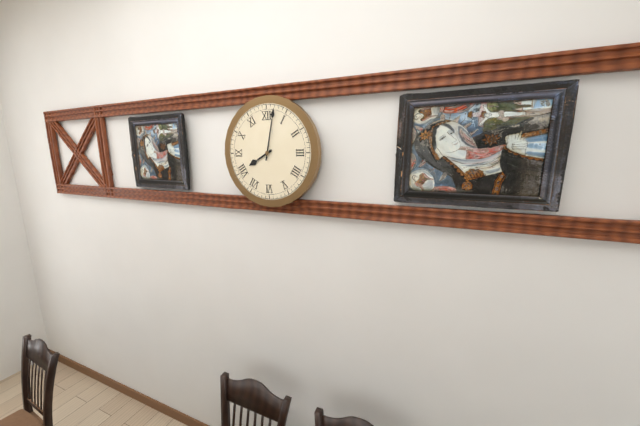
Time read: 8.02
